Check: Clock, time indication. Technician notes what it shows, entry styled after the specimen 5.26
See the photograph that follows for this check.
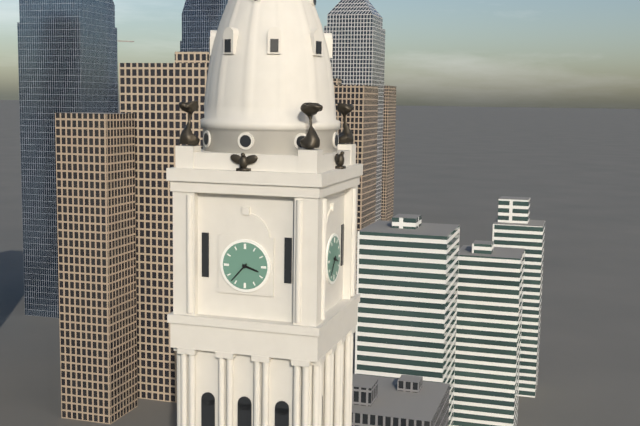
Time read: 3.37
